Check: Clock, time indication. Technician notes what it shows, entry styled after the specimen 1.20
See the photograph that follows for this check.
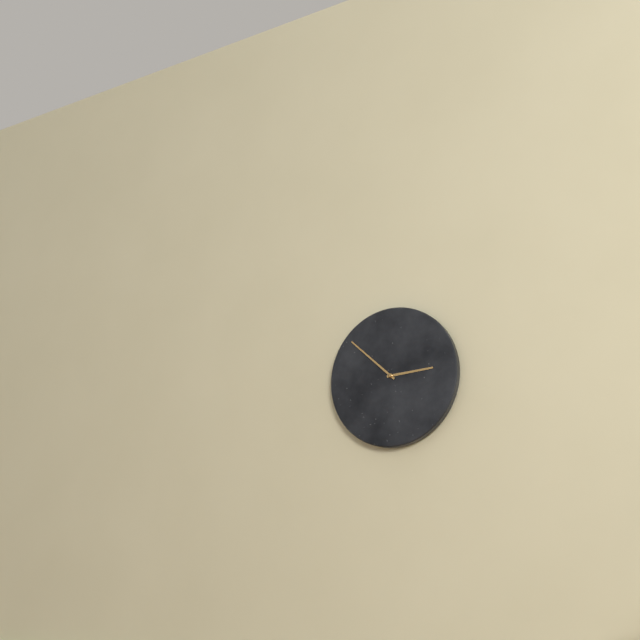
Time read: 2.52
